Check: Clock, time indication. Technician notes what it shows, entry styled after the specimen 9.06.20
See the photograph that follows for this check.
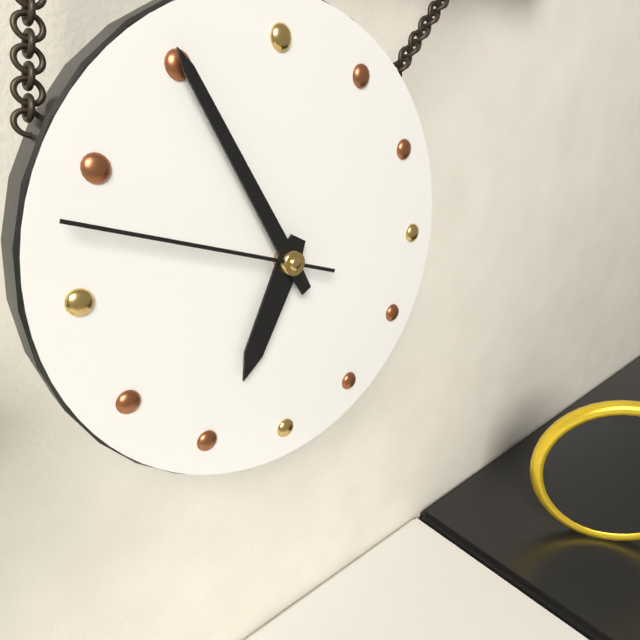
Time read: 6.55.48
